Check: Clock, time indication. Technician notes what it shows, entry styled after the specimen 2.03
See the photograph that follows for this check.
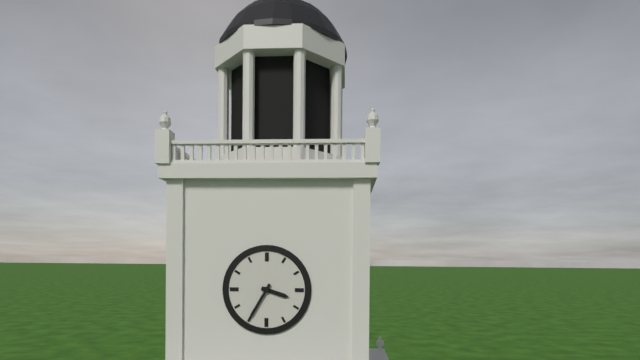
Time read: 3.35
